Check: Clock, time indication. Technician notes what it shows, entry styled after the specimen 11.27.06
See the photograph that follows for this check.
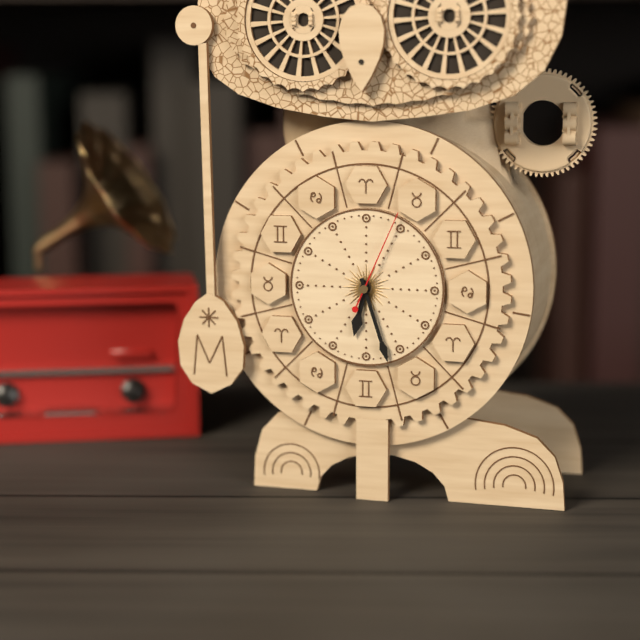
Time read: 6.27.04
